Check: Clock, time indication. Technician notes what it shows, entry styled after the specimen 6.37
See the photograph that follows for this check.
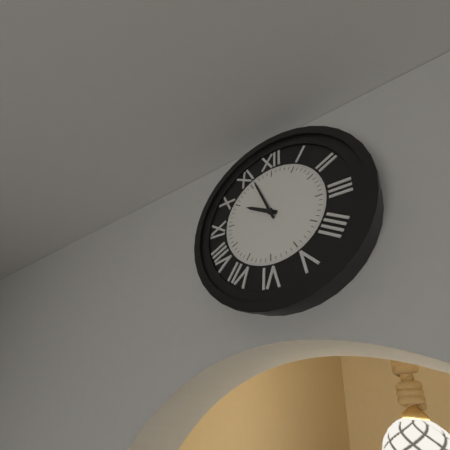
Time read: 9.56
